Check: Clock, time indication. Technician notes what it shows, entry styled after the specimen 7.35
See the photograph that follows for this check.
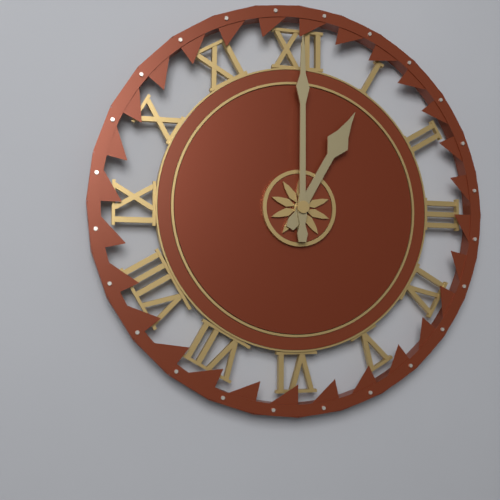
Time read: 1.00
